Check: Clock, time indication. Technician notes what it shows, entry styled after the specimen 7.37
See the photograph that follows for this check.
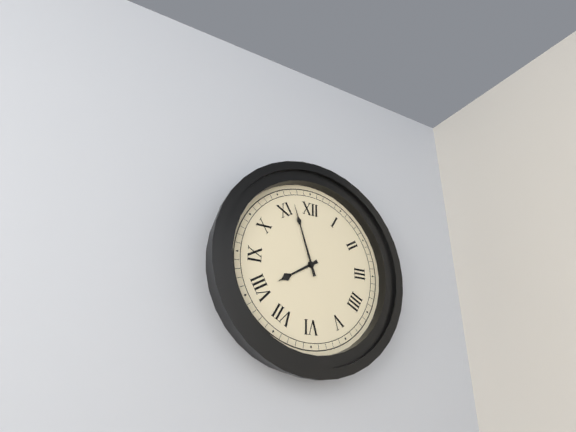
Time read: 7.57
